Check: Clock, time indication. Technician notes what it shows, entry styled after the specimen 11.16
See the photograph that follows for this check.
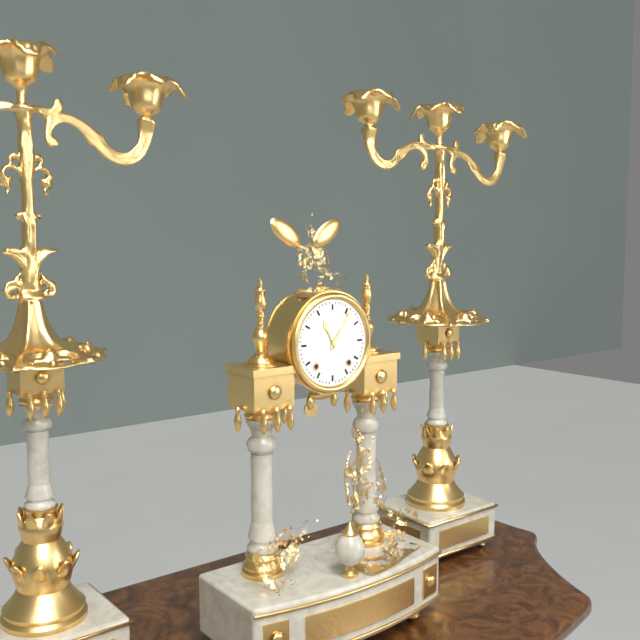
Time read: 11.06
